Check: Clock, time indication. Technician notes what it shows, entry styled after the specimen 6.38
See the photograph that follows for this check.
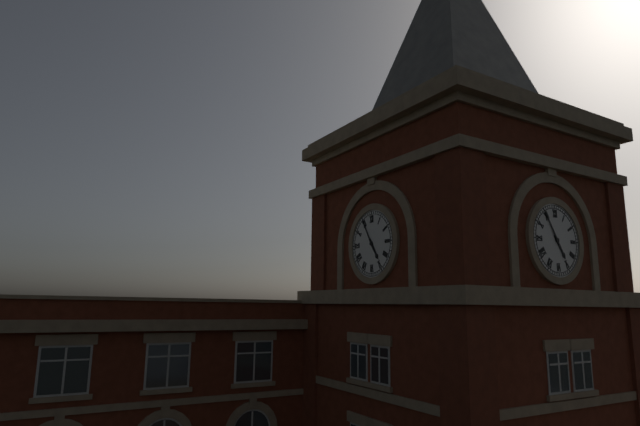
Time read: 4.55
